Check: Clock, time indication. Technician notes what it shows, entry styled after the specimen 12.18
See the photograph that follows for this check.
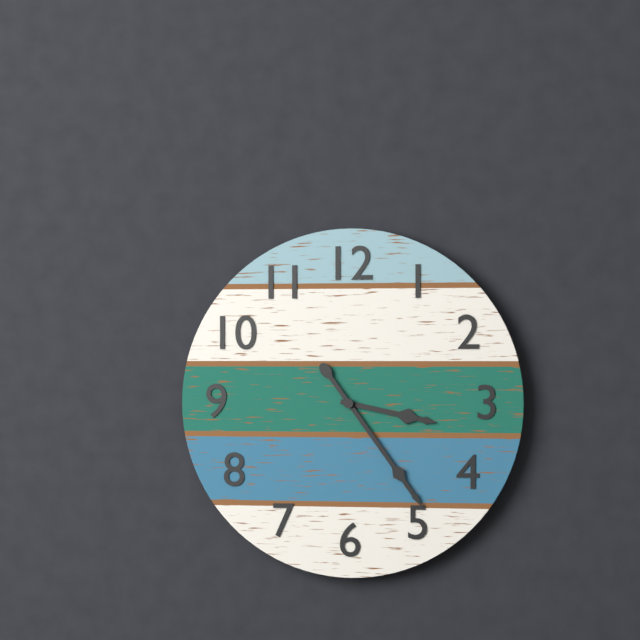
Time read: 3.24
